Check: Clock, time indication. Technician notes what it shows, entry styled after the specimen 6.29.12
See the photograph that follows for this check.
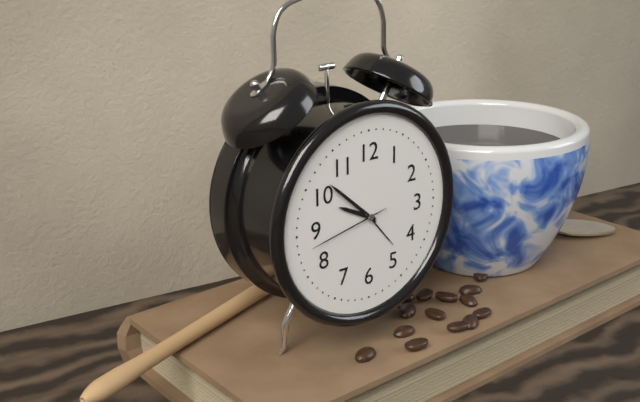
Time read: 9.52.43
